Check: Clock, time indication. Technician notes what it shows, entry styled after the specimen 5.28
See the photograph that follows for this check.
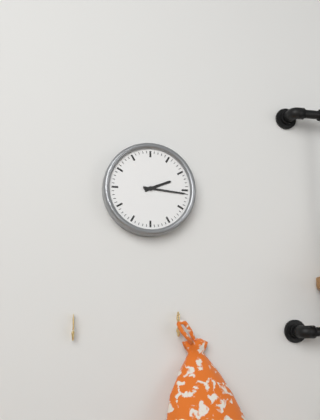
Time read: 2.16
